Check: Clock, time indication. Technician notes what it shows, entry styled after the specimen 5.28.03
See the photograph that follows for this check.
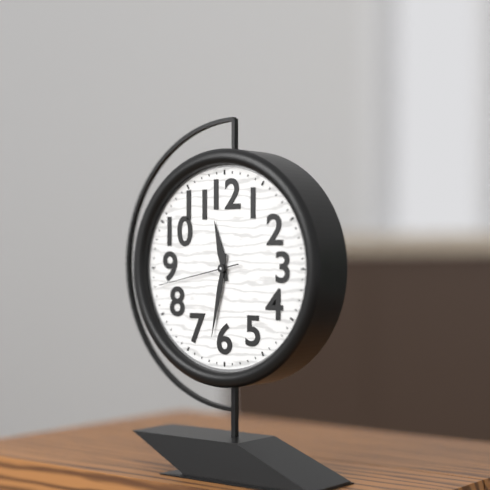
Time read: 11.32.43
